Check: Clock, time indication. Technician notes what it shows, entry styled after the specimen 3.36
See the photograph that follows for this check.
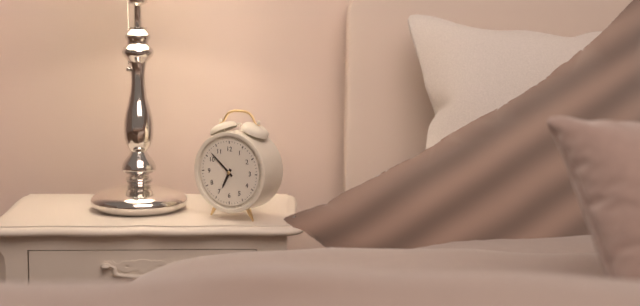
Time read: 6.52
